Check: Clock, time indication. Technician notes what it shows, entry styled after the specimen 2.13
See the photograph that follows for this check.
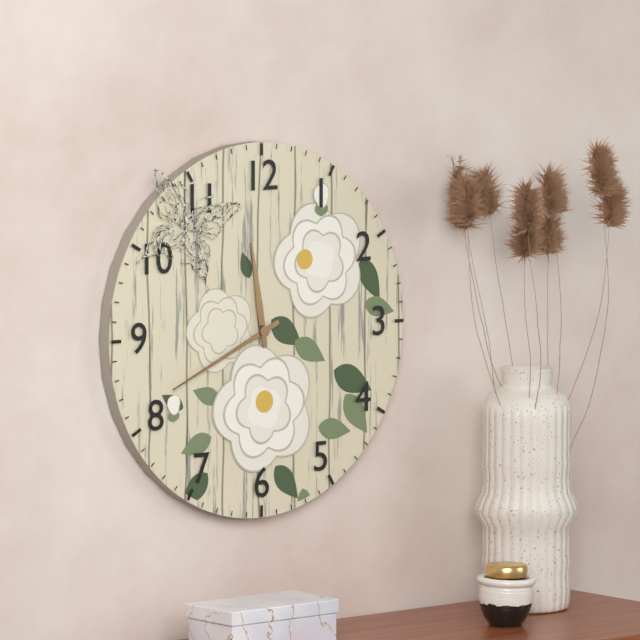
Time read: 11.41
